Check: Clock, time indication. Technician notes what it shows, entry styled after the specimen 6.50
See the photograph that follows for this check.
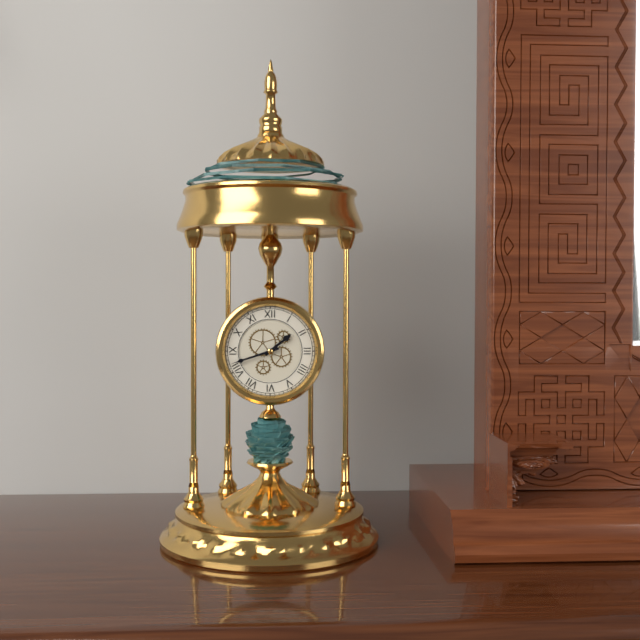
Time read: 1.42
